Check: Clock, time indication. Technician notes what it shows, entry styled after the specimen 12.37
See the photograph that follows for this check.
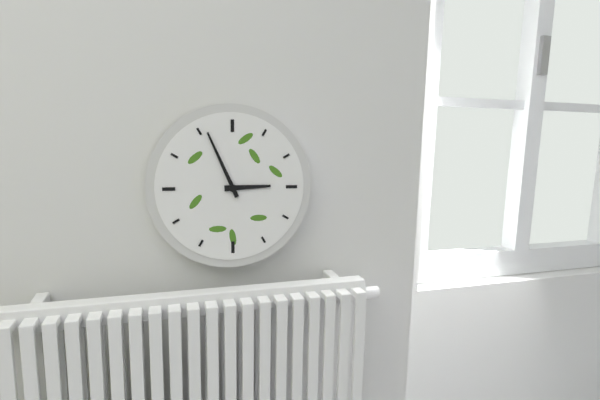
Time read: 2.56
